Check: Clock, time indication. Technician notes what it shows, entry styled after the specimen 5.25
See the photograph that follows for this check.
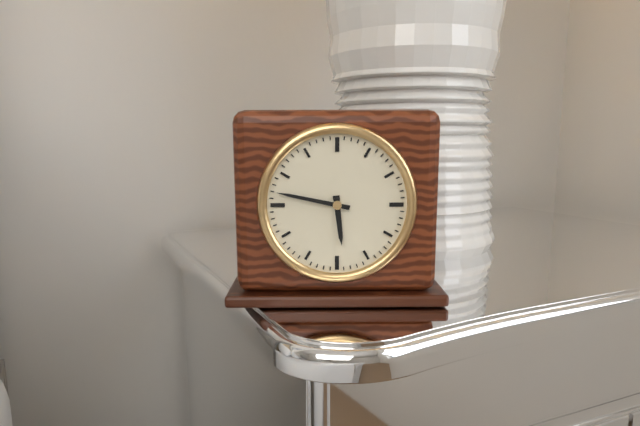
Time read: 5.47
